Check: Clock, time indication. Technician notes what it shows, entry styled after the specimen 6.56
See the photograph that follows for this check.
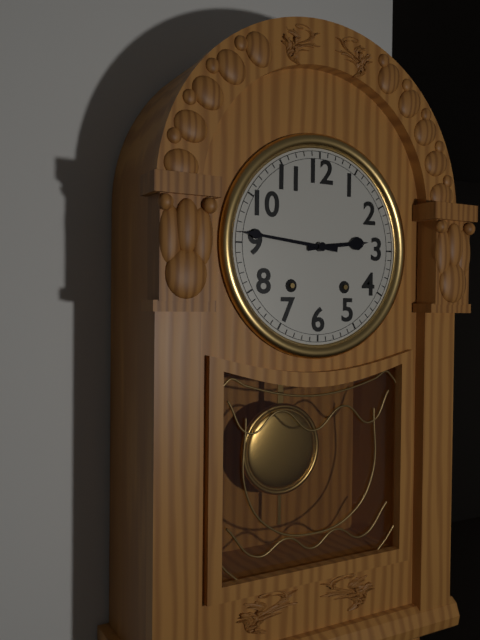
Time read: 2.46
